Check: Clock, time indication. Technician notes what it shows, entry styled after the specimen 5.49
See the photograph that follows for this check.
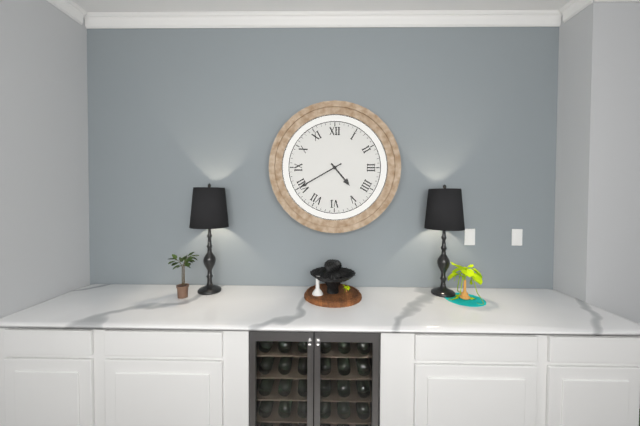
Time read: 4.40
